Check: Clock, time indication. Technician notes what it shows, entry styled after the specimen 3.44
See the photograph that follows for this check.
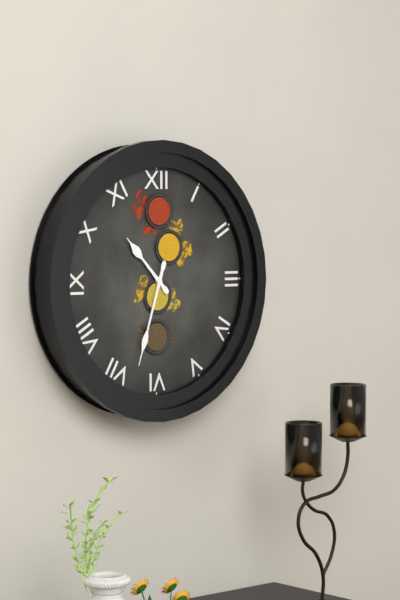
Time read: 10.33
